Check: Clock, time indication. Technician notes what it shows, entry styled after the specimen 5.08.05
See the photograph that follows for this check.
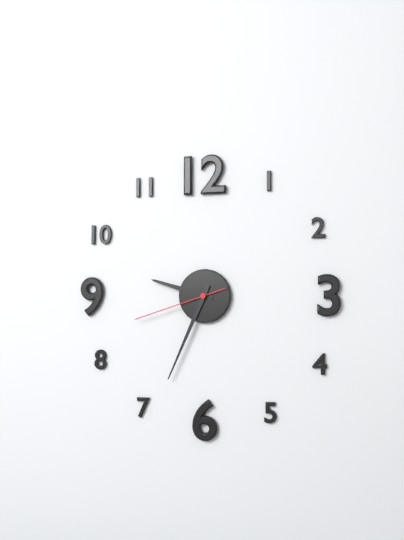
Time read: 9.34.42
